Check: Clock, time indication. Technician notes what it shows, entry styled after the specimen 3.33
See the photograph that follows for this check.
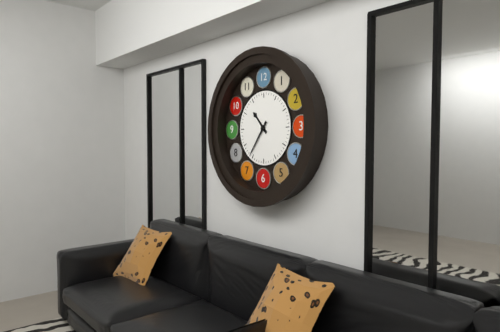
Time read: 10.36
